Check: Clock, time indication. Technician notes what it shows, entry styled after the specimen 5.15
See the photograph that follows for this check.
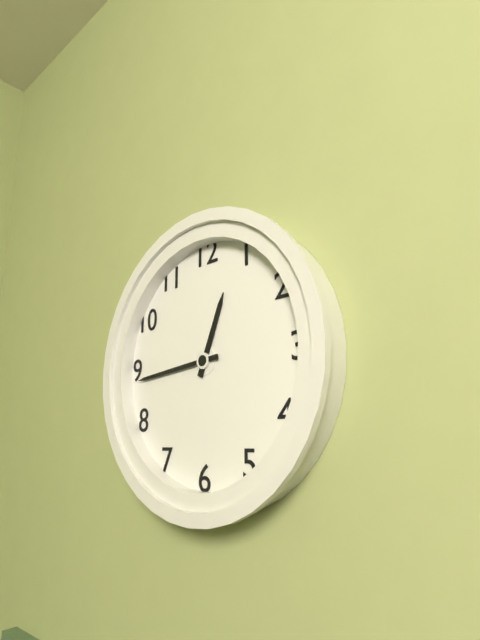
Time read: 12.44
